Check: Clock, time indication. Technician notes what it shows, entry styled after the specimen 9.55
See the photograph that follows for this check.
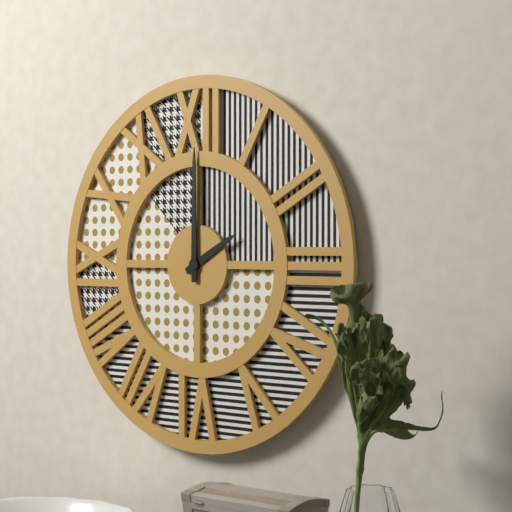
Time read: 2.00
